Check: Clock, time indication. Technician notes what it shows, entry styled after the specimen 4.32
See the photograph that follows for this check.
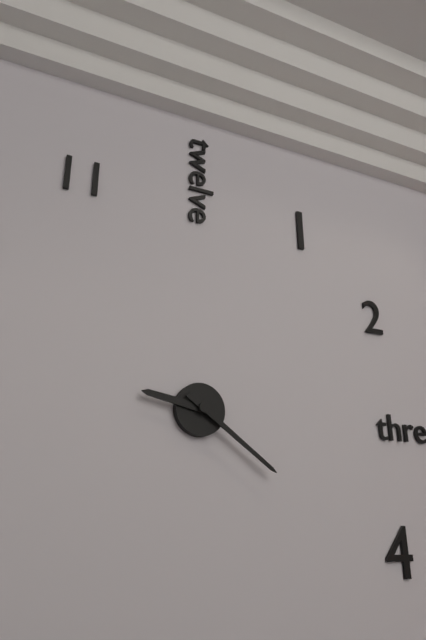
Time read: 9.21
